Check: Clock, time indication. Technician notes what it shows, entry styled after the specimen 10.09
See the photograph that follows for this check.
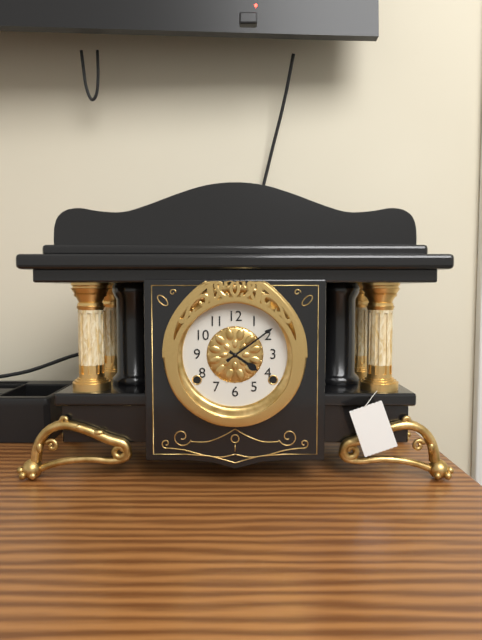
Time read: 4.09
